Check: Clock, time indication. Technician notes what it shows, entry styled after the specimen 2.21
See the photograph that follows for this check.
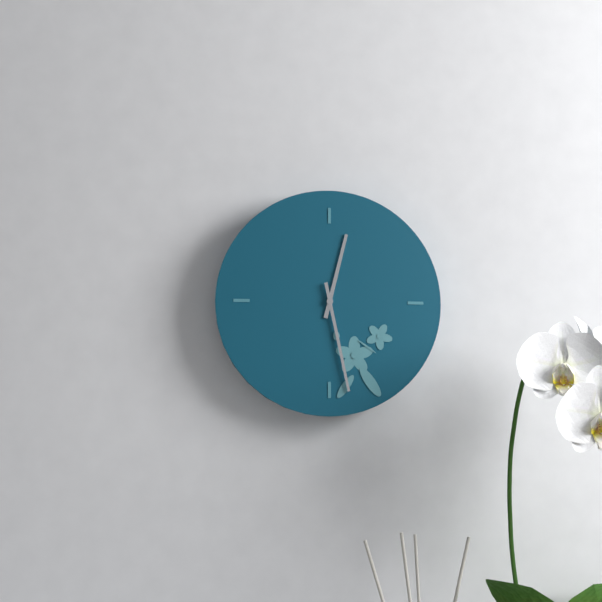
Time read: 12.28
